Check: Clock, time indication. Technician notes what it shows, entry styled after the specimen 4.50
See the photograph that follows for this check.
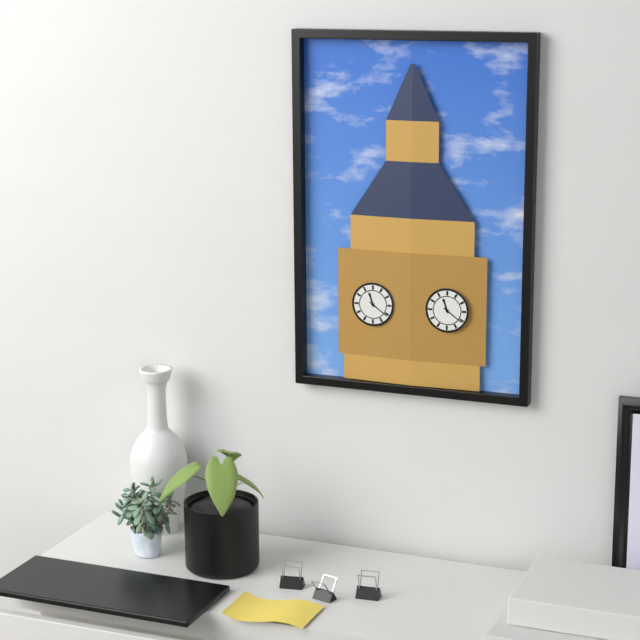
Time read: 11.21
